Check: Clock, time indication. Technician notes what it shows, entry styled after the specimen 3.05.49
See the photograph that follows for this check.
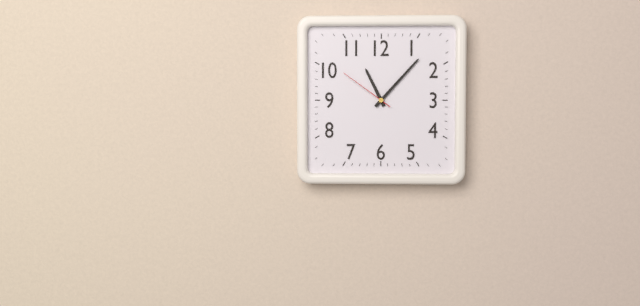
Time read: 11.07.51
